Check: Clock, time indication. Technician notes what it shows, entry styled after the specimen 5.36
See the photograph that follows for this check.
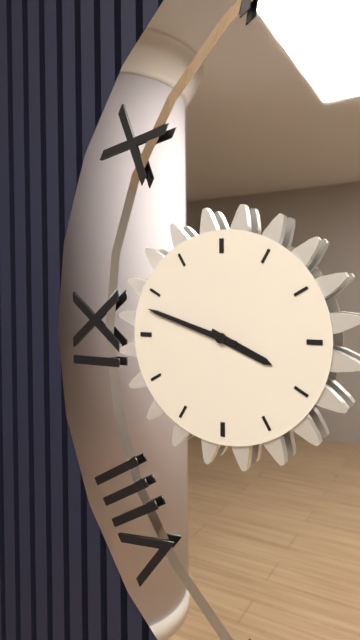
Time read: 3.48
